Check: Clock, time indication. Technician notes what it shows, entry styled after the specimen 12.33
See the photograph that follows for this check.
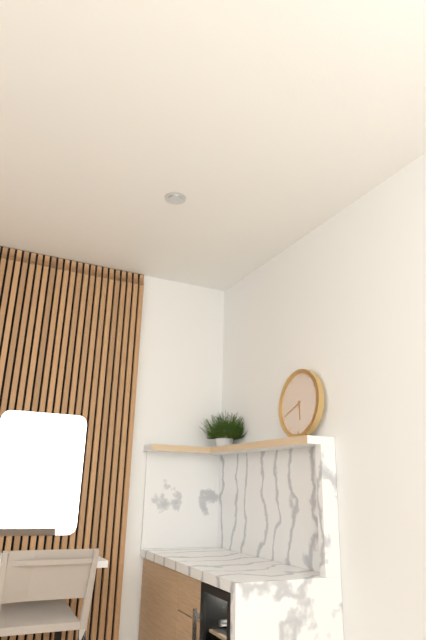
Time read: 5.41
